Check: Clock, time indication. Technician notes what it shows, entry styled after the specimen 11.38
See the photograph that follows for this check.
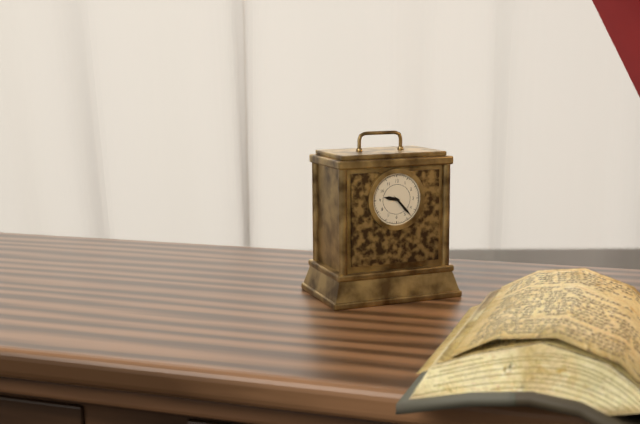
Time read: 9.23
